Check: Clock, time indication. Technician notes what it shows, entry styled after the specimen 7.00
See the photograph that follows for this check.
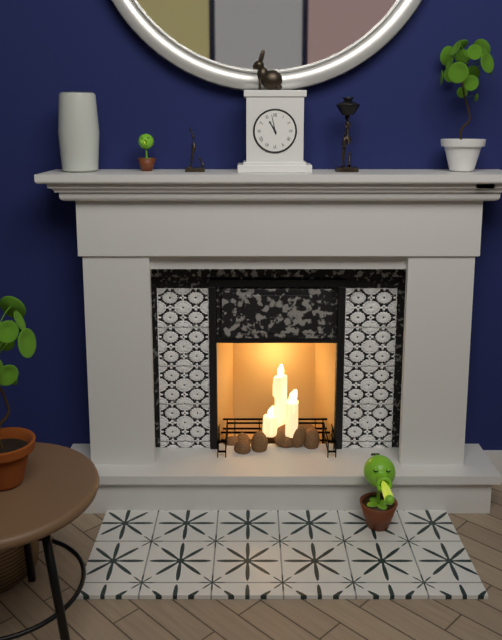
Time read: 10.58
